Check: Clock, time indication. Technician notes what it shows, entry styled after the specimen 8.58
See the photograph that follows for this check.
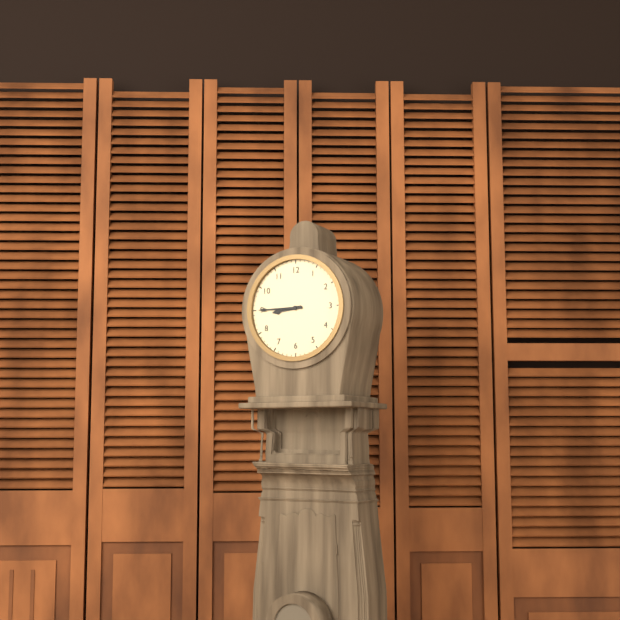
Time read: 8.45
